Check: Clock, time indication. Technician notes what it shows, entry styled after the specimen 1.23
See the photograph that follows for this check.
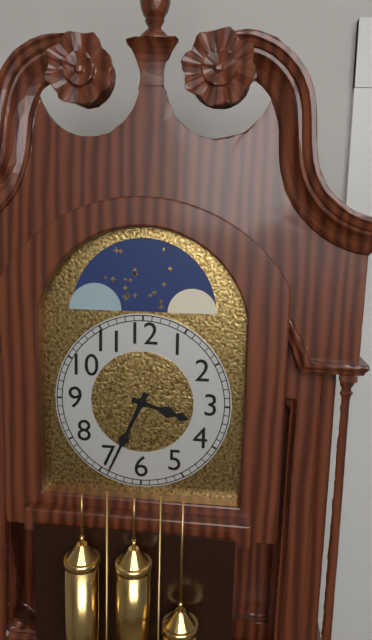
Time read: 3.34
